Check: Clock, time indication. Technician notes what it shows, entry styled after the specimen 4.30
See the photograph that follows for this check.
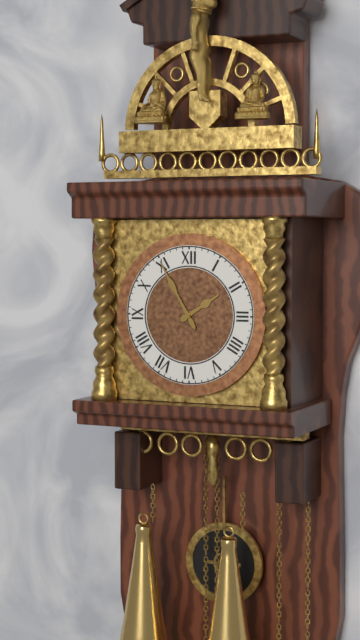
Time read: 1.55
